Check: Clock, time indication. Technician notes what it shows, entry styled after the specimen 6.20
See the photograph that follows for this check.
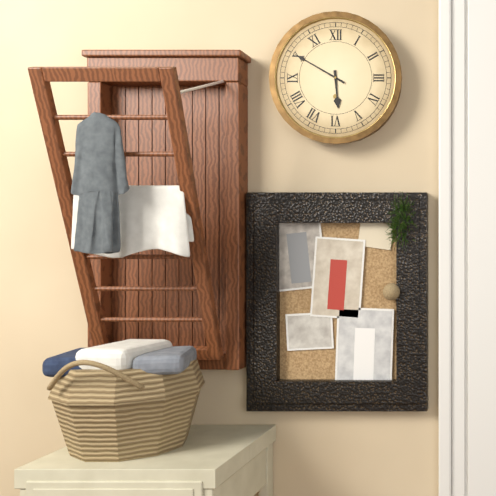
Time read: 5.50
